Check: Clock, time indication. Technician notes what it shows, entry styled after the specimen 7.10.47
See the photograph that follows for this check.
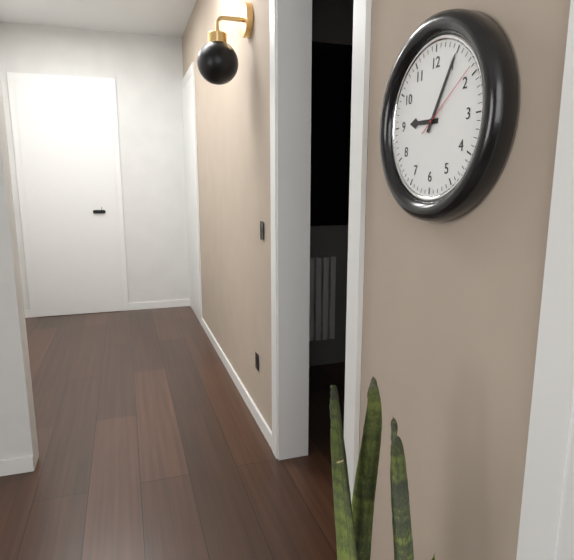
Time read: 9.05.09
